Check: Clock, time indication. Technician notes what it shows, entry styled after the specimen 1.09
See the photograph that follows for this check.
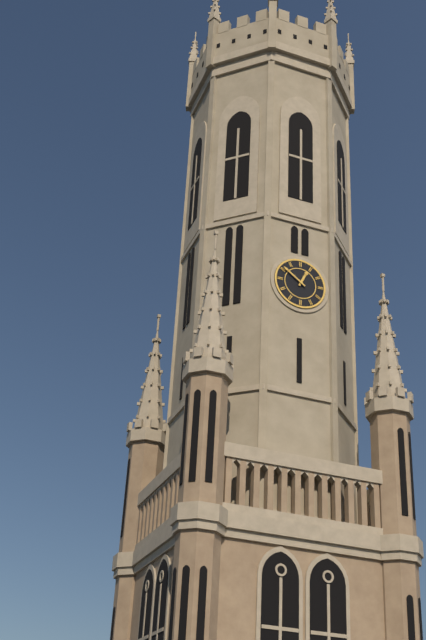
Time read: 12.51
